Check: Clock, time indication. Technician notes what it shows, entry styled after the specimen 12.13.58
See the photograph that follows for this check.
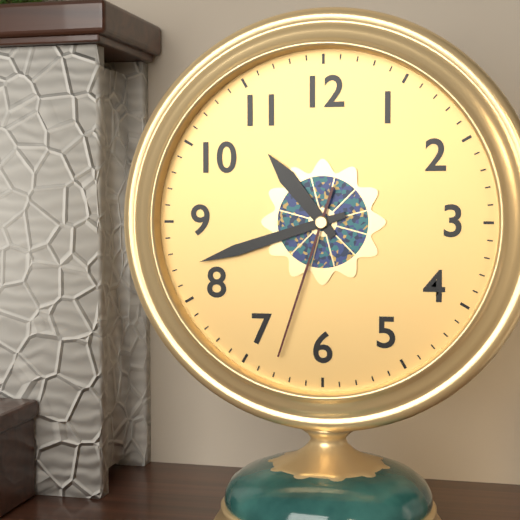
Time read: 10.42.33
